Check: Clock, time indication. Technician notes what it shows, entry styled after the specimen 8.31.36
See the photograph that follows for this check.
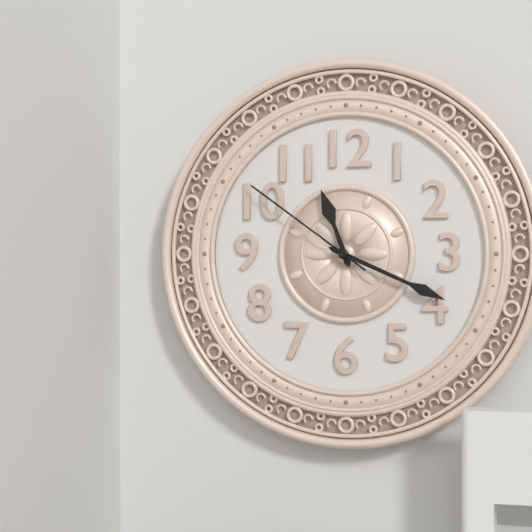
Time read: 11.19.51
